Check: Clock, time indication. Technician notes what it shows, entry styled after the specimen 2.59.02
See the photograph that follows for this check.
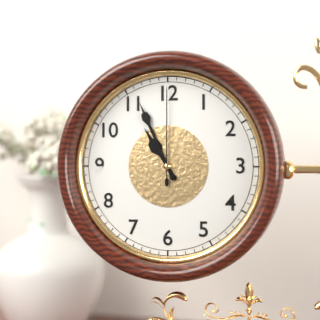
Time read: 10.56.00
